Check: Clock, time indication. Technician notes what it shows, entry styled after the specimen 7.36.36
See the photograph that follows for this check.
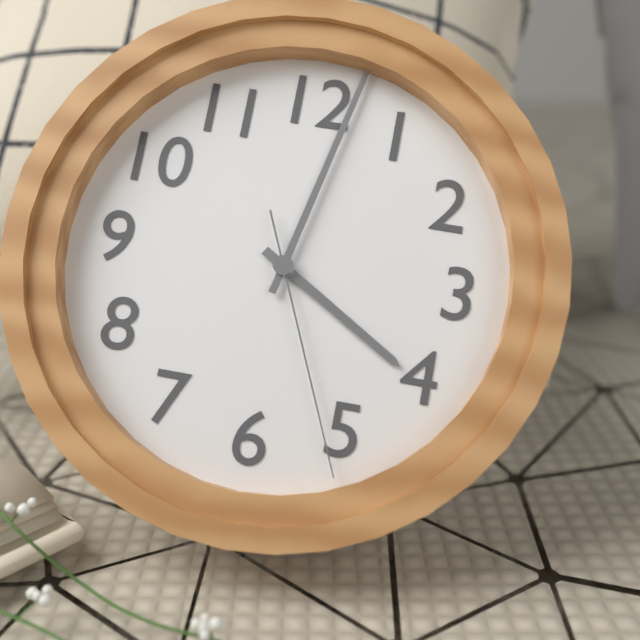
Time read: 4.02.26
